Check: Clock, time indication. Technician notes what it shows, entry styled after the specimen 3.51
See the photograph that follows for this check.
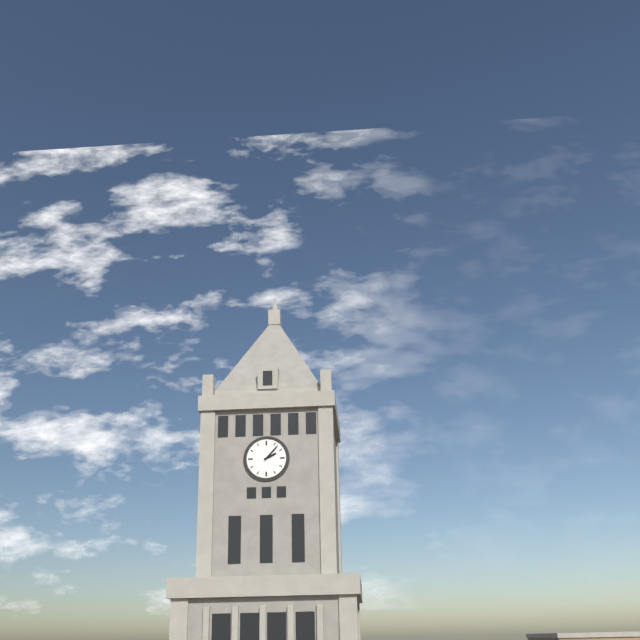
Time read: 2.07
